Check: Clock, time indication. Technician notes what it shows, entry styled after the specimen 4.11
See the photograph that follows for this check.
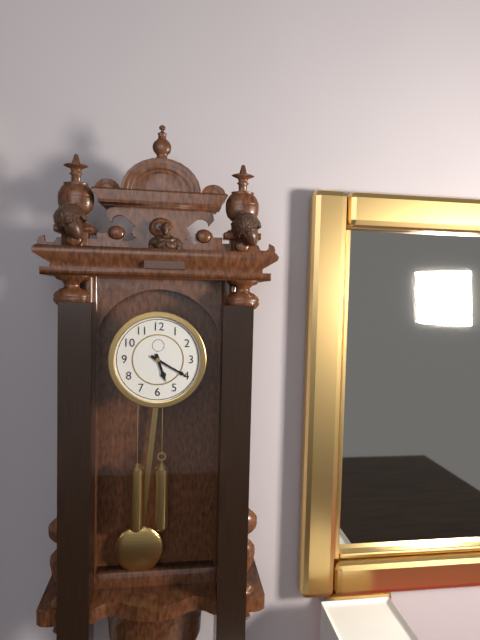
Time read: 5.20
